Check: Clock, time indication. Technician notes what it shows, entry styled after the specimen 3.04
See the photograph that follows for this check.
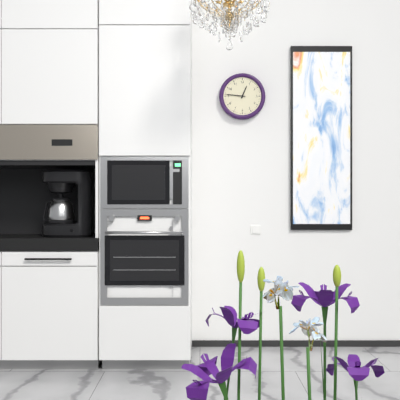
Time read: 12.46
